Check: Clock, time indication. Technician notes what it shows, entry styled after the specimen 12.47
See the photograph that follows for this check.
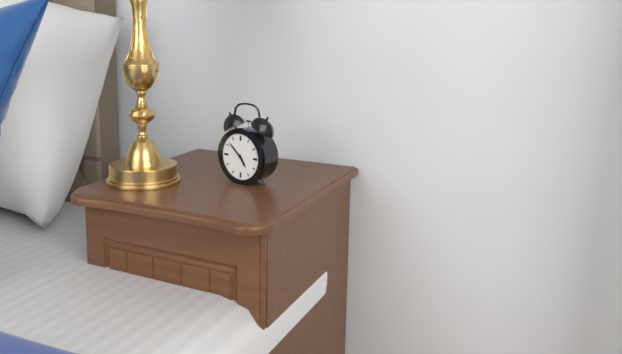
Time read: 4.52
